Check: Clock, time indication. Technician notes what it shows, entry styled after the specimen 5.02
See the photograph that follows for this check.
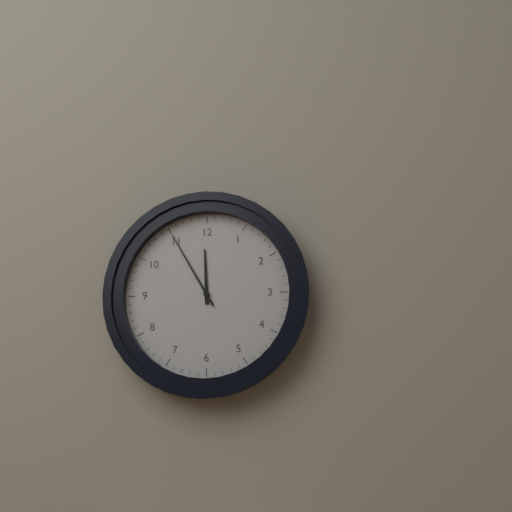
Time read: 11.55
